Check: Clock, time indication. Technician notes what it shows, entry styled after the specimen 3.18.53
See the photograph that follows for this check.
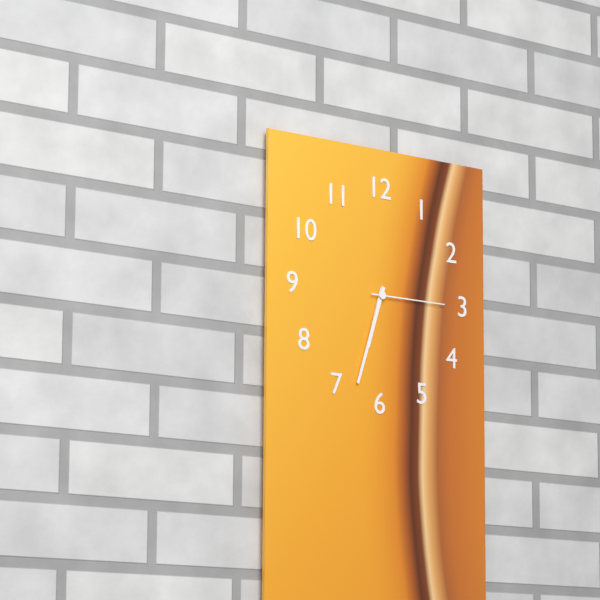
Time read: 6.33.15
